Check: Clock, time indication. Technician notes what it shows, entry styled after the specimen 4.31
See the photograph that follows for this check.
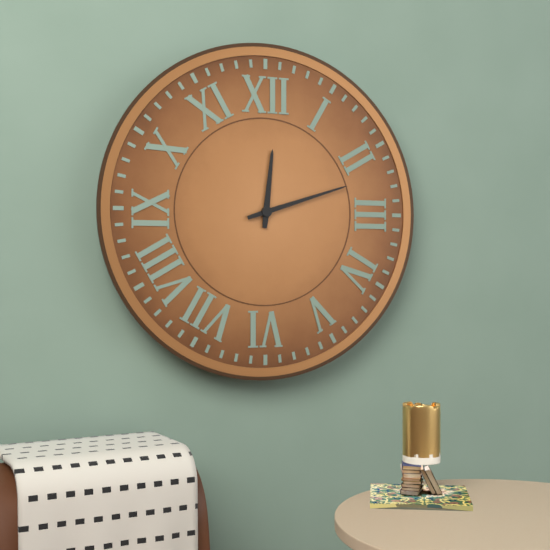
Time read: 12.12
